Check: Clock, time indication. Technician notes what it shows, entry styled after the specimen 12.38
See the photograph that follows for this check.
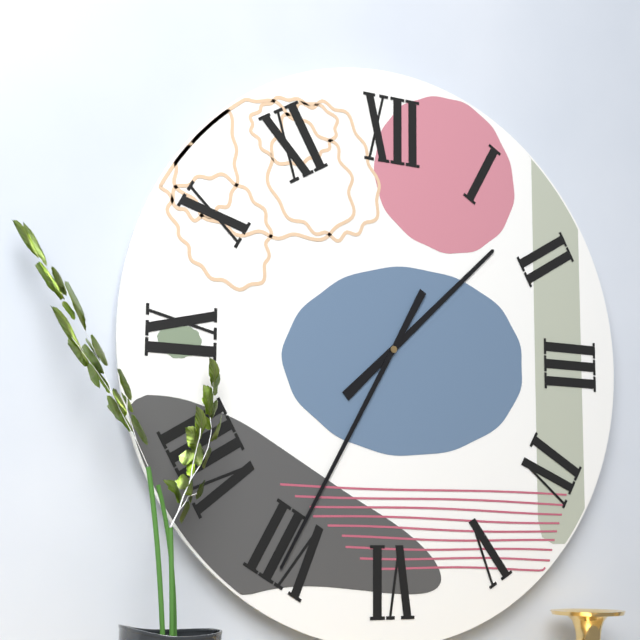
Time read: 1.35
